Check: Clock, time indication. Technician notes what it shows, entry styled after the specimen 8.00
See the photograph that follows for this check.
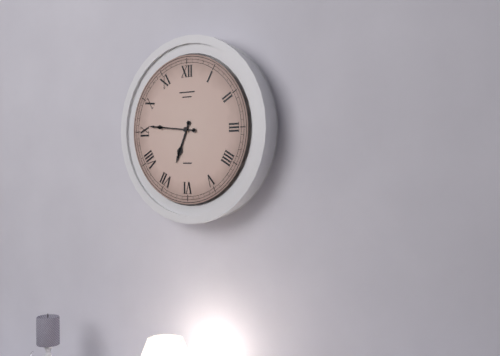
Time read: 6.46
